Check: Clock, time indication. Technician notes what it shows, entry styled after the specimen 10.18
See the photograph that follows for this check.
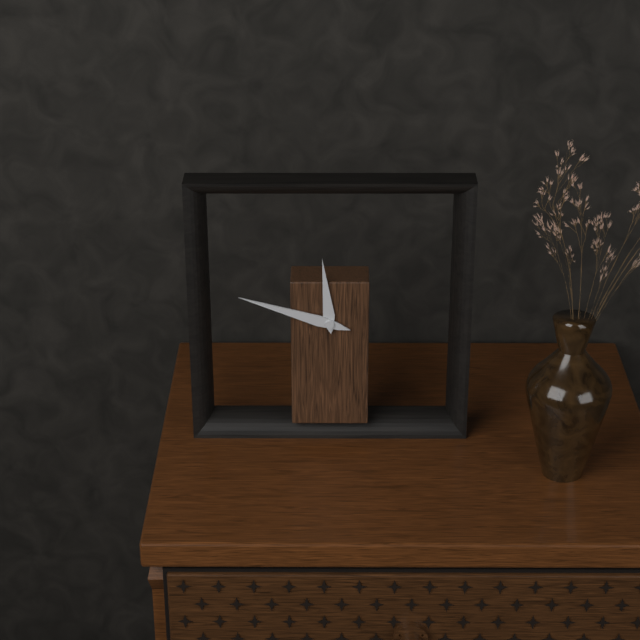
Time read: 11.48
